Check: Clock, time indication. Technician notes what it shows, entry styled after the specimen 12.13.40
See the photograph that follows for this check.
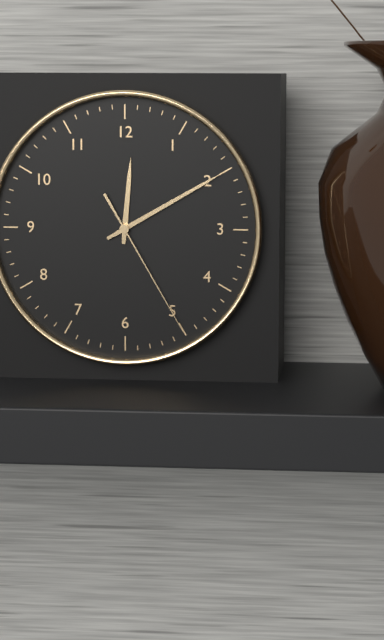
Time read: 12.10.25
